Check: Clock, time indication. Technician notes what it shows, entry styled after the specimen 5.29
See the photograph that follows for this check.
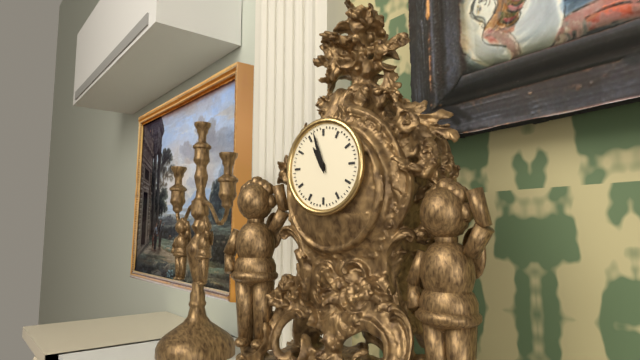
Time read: 10.57
